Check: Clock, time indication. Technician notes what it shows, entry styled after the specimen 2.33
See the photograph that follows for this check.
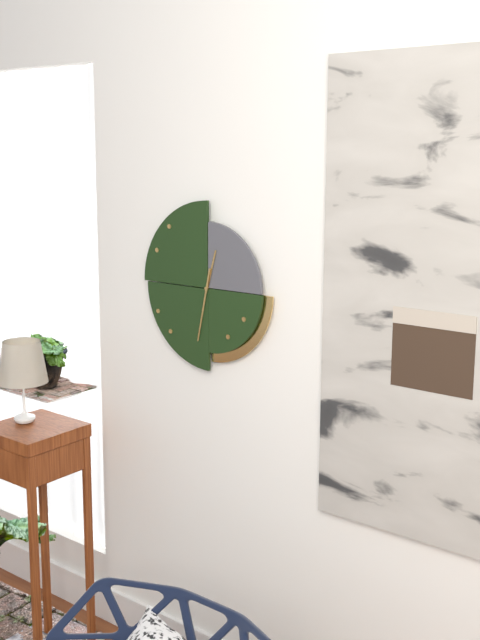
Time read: 12.32
